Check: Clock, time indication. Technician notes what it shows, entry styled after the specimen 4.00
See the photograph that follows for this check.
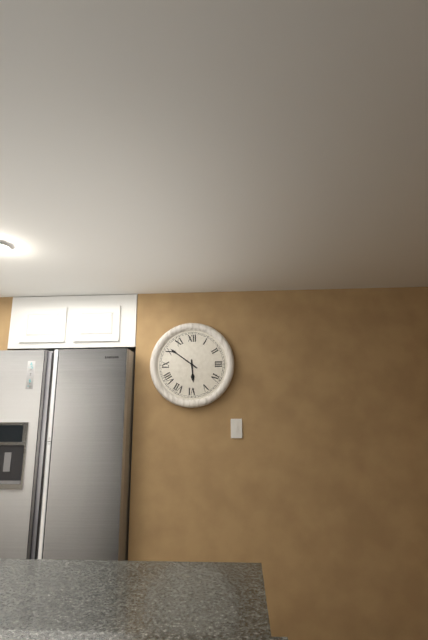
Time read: 5.51
